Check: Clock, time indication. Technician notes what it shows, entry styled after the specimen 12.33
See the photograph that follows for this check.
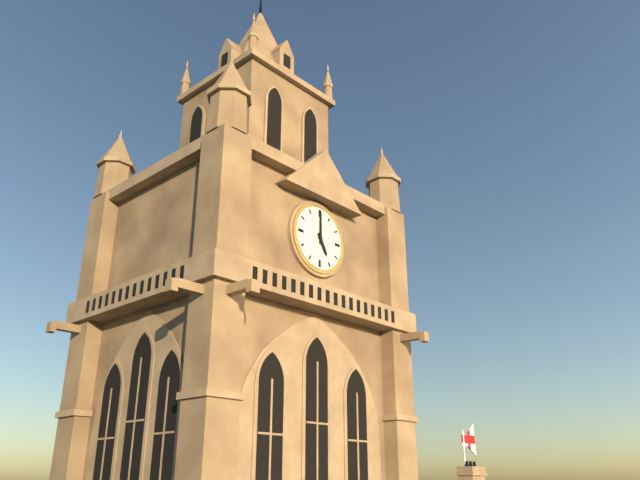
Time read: 5.00
